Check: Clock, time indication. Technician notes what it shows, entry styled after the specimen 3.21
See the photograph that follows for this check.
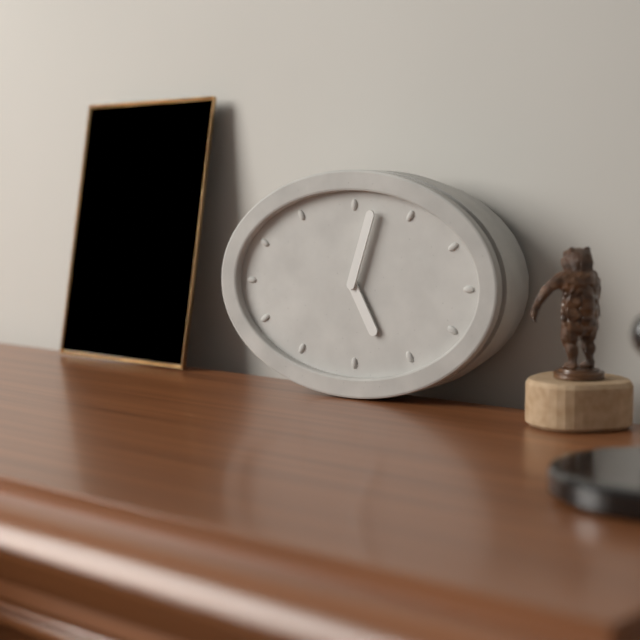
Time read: 5.03
